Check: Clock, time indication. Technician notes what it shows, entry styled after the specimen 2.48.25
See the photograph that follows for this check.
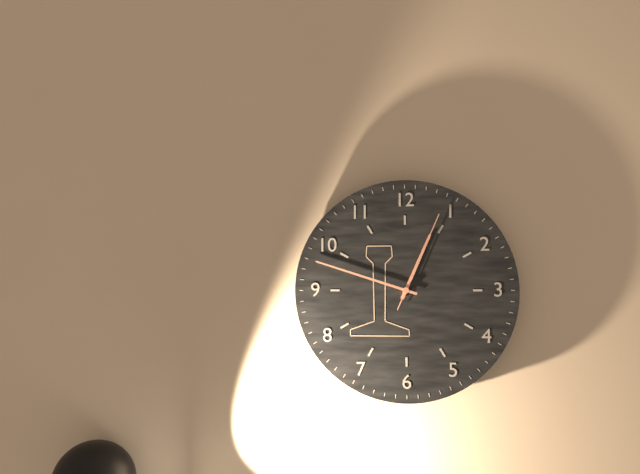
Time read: 12.48.04
